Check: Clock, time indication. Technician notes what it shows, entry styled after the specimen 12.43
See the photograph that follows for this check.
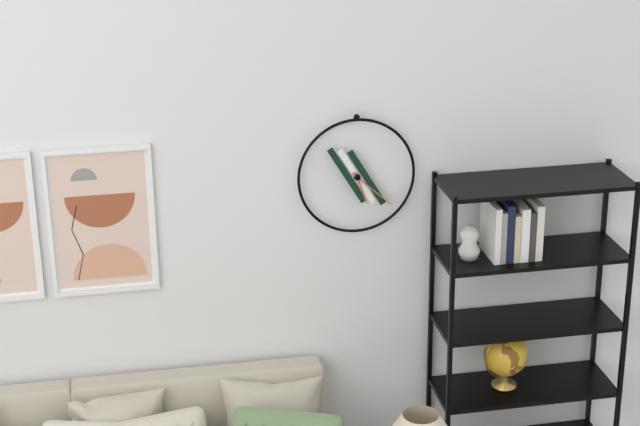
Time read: 5.22
